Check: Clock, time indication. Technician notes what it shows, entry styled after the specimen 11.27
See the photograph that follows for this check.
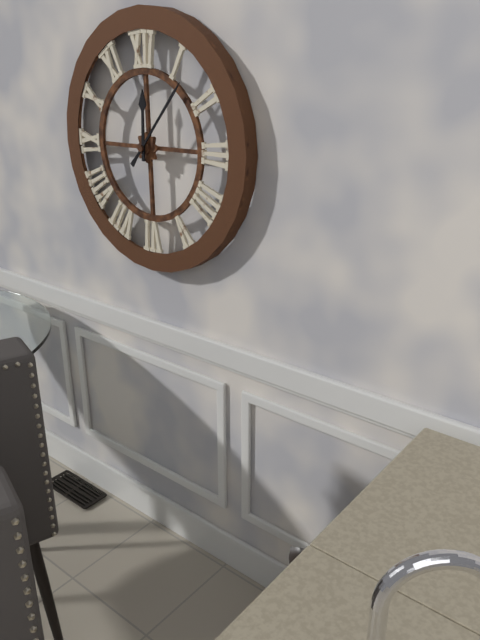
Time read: 12.07
